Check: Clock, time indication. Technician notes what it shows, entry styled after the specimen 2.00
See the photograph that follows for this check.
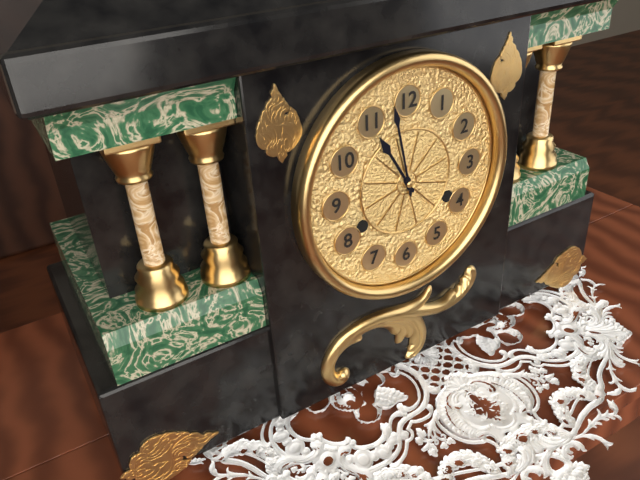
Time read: 10.58
